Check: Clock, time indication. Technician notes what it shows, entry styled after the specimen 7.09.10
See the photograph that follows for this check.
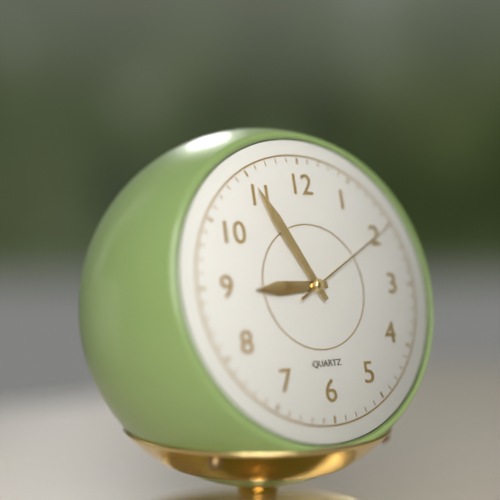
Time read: 8.55.10
